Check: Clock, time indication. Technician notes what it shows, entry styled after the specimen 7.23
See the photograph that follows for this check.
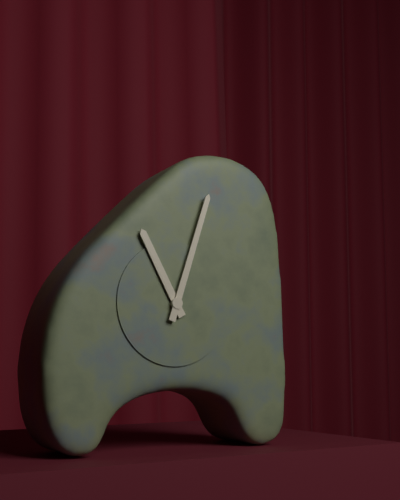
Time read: 11.03
